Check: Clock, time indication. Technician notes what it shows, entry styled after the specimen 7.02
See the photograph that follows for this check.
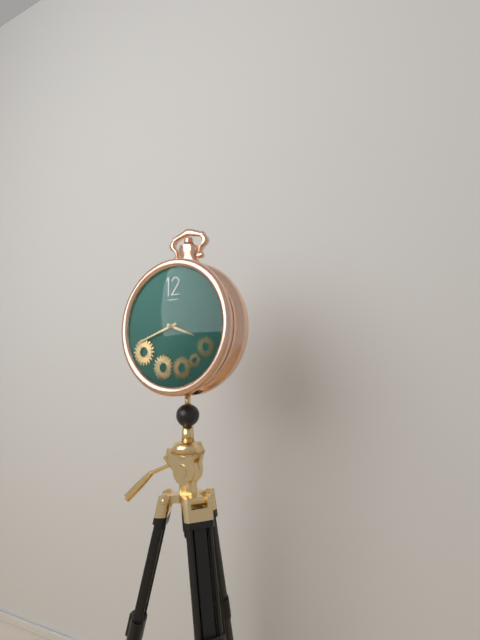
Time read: 3.42
